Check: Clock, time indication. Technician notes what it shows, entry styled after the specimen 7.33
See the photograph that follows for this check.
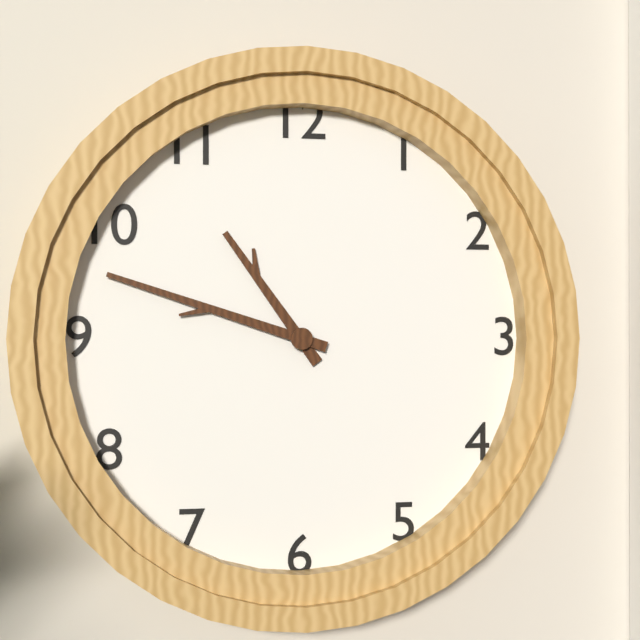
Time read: 10.48
